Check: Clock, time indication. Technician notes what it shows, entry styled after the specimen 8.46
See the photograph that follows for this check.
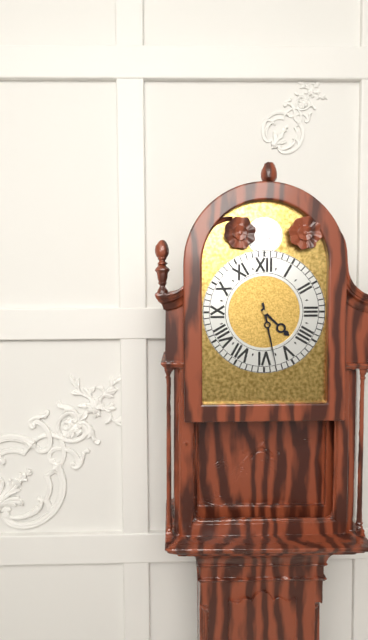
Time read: 4.28
